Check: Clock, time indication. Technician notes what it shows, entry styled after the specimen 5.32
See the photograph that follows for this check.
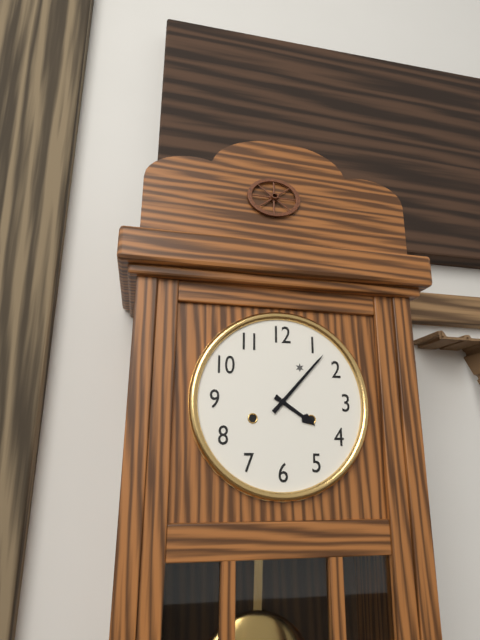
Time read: 4.07
